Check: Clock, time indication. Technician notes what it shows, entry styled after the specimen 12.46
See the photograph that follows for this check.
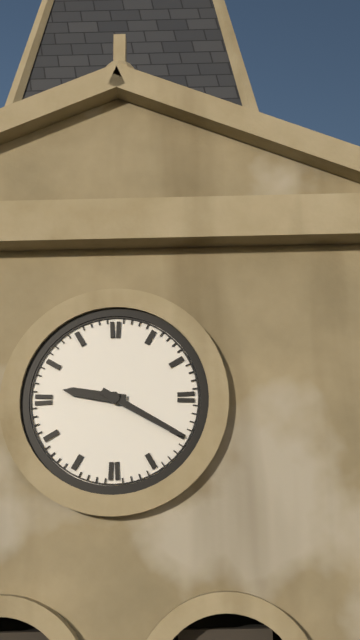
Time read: 9.20
